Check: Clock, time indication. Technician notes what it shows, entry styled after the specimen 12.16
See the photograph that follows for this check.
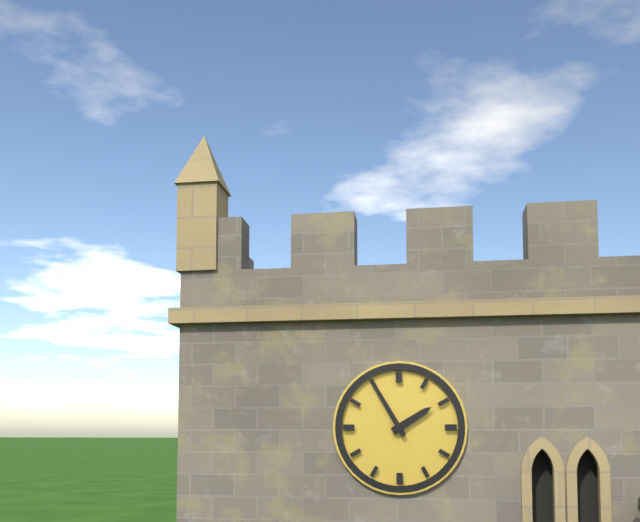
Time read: 1.55
